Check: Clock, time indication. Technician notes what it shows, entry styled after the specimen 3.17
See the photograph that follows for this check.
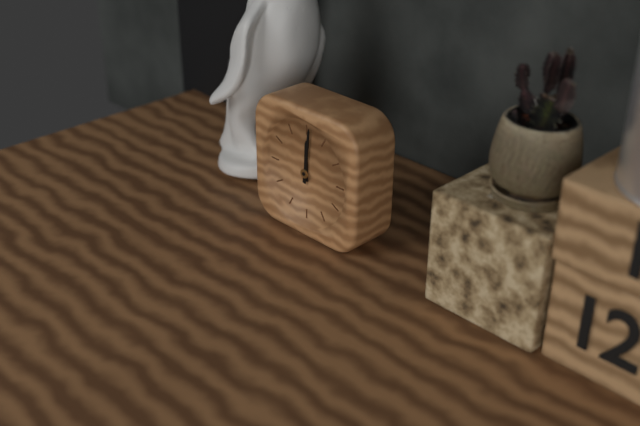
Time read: 12.01
